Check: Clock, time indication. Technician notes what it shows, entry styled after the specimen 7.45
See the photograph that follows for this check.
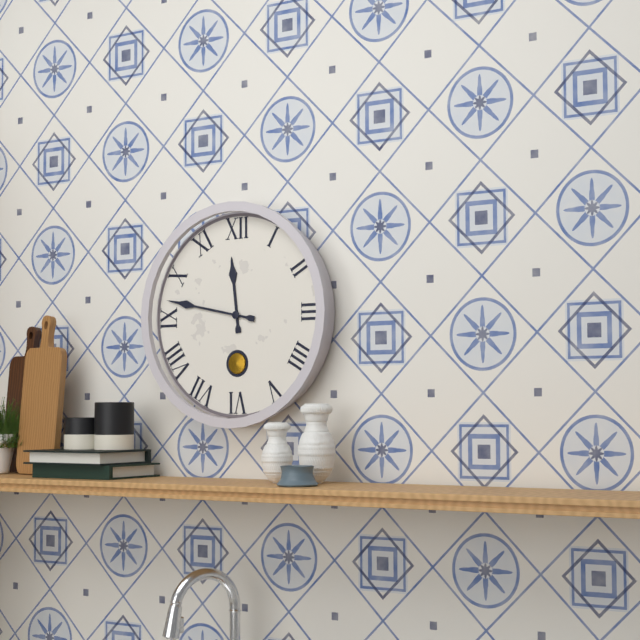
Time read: 11.47
